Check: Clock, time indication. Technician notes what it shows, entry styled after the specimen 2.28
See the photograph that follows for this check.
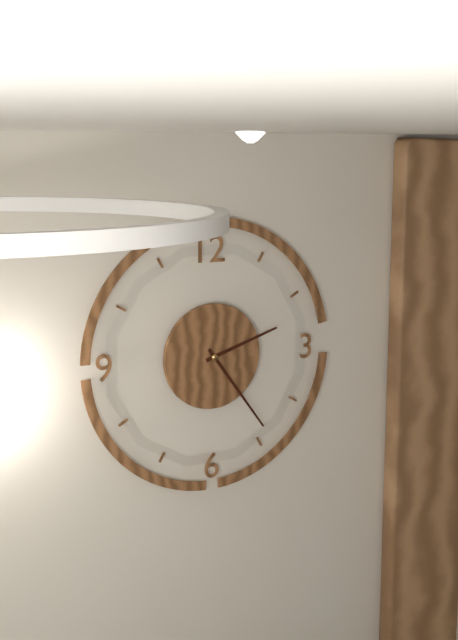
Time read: 2.24
